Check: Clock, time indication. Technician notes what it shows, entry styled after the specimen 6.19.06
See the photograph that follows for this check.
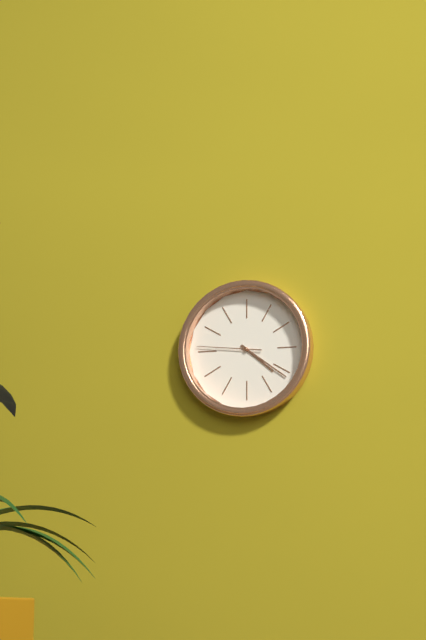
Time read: 4.21.46
